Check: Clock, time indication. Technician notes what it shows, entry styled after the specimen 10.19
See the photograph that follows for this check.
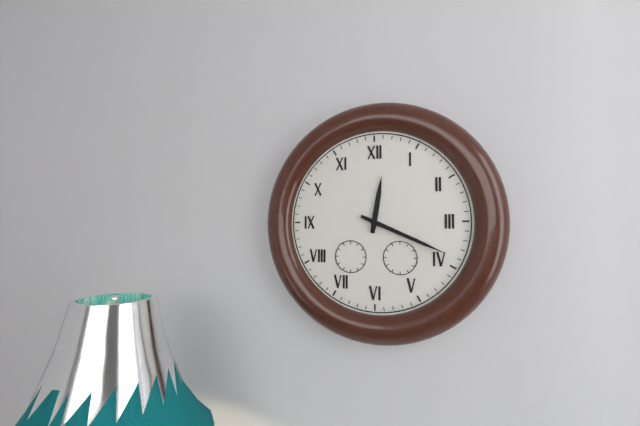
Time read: 12.19
